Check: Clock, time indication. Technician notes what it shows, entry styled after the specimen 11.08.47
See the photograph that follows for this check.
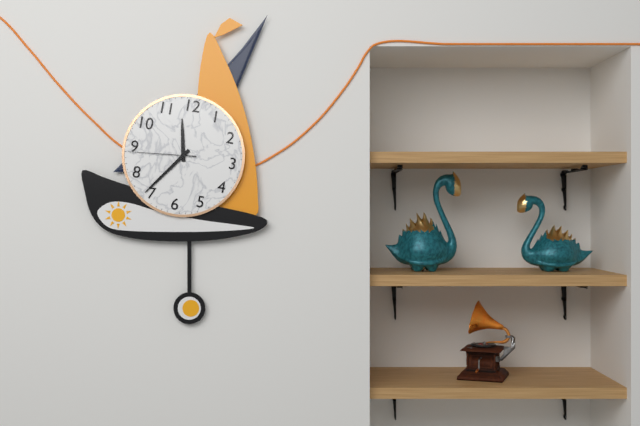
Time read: 11.36.44
